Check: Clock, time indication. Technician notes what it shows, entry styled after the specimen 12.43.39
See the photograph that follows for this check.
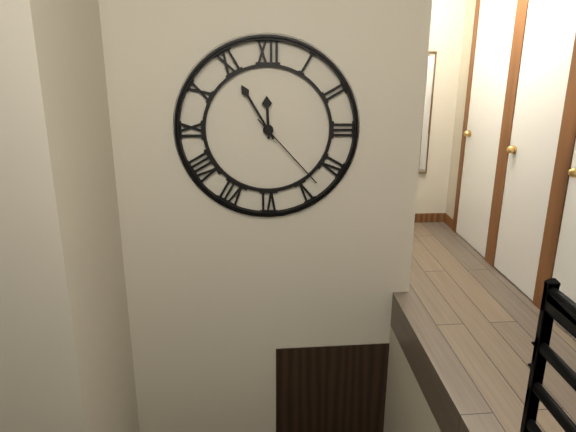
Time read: 11.55.23
